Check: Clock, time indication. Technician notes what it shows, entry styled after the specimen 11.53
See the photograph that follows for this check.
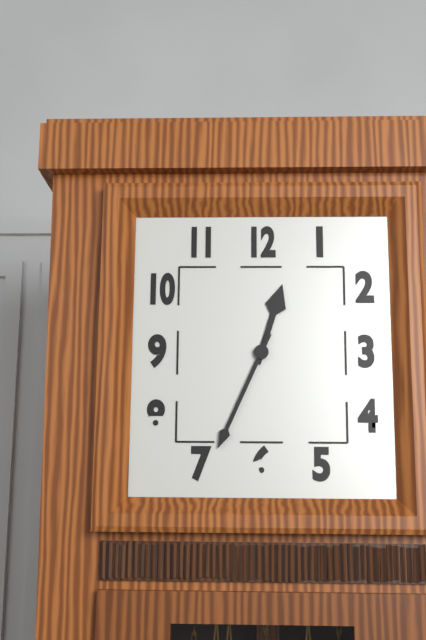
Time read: 12.34
